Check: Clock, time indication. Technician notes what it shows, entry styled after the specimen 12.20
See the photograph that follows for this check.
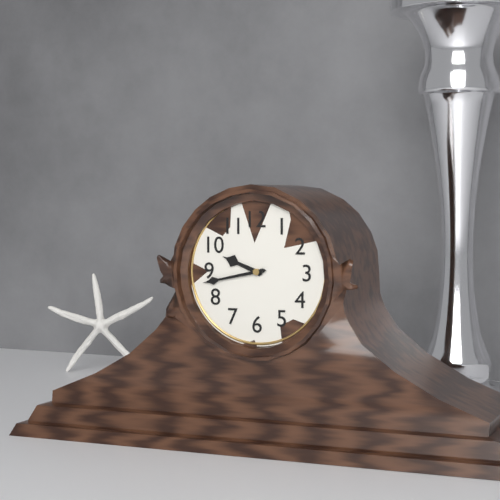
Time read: 9.43
